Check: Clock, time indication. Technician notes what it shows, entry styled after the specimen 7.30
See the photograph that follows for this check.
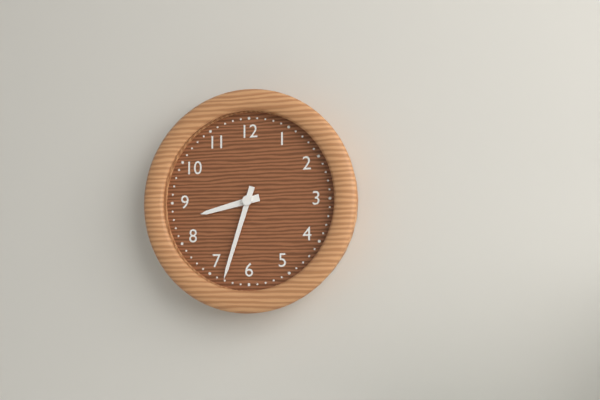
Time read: 8.33
